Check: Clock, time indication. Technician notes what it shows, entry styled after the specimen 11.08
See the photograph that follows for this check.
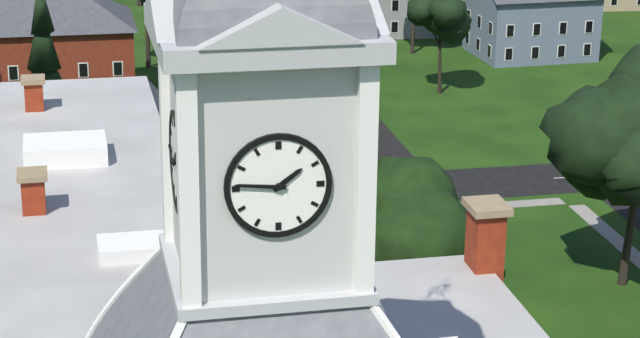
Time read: 1.46
